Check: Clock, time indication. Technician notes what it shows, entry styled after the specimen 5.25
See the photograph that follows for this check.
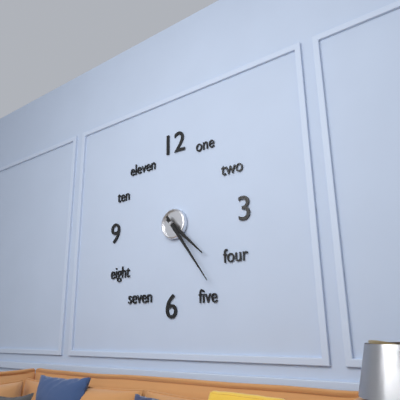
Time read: 4.24
